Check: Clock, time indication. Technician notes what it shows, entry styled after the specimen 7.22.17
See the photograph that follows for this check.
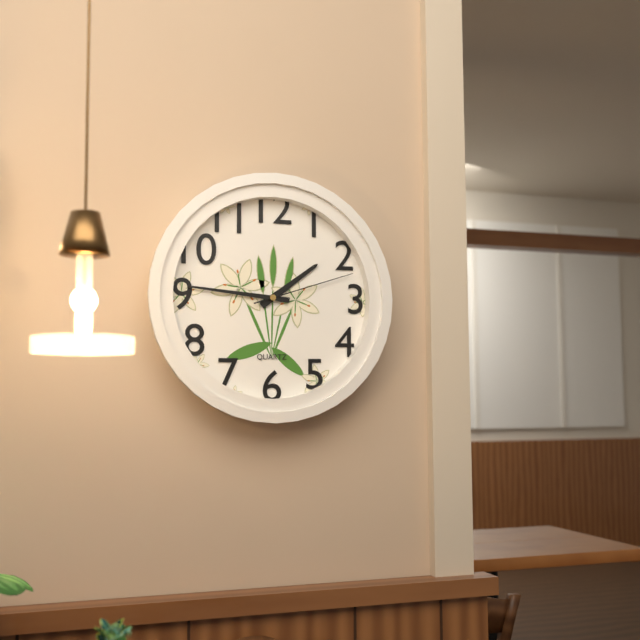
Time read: 1.46.12
